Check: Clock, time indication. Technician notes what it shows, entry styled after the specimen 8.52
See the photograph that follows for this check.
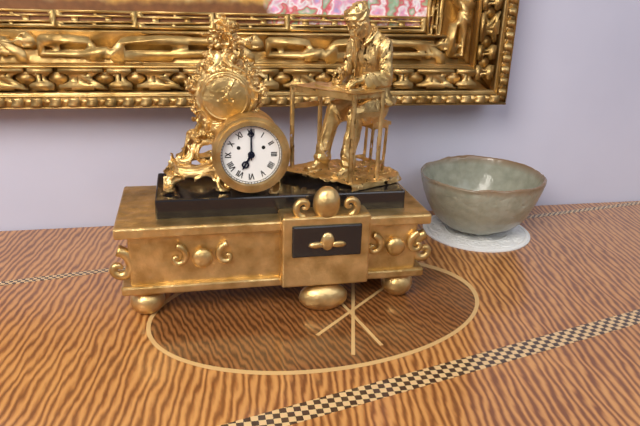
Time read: 7.00
